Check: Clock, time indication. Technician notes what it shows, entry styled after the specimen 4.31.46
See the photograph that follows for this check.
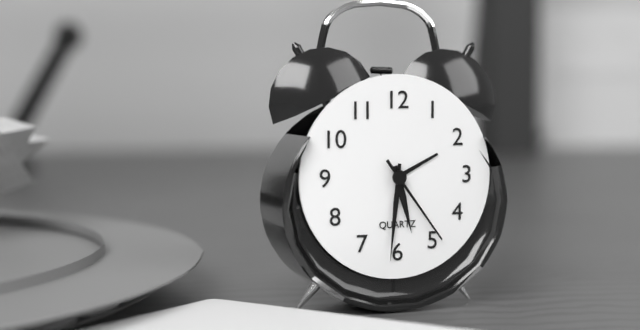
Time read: 5.31.24
